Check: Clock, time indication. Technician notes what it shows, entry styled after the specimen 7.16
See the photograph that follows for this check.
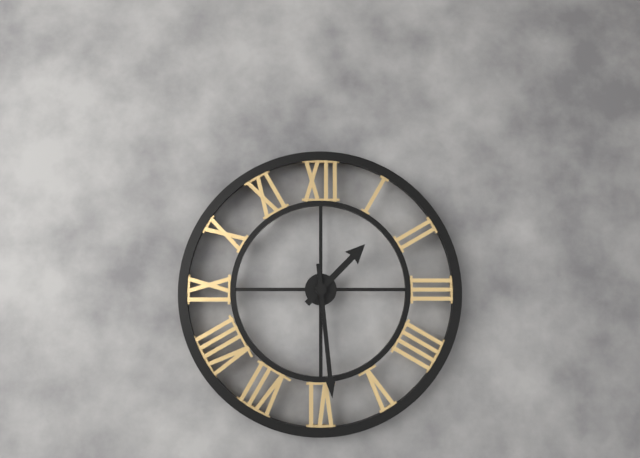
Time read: 1.29
